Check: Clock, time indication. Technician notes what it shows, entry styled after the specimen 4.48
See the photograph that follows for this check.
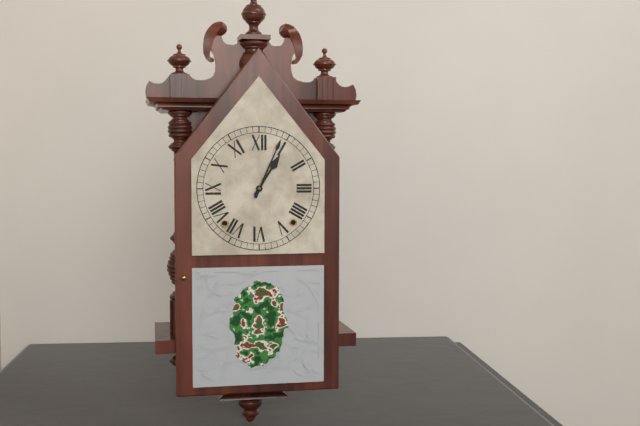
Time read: 1.04
